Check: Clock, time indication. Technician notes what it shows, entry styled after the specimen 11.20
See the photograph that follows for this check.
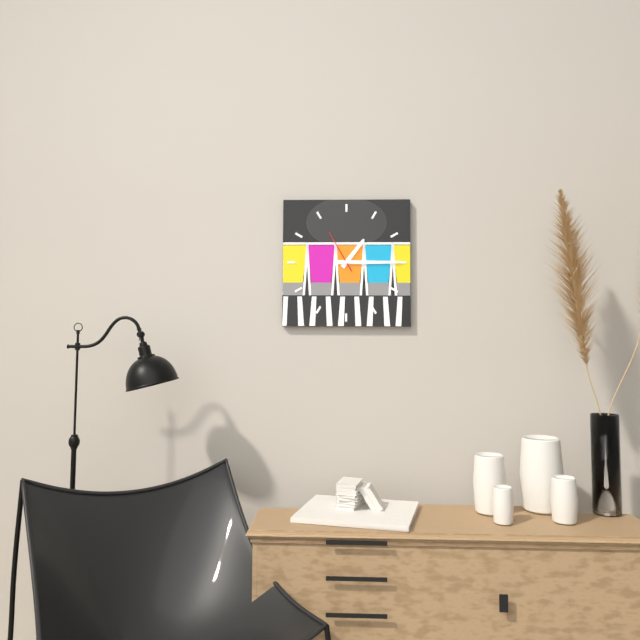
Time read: 1.15
